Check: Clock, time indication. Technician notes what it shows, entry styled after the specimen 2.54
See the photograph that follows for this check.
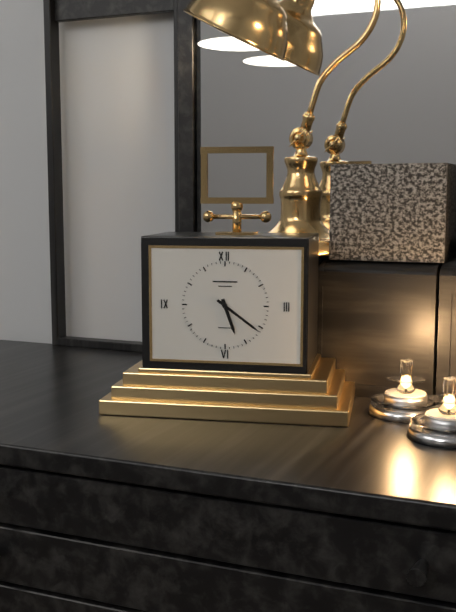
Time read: 5.21
